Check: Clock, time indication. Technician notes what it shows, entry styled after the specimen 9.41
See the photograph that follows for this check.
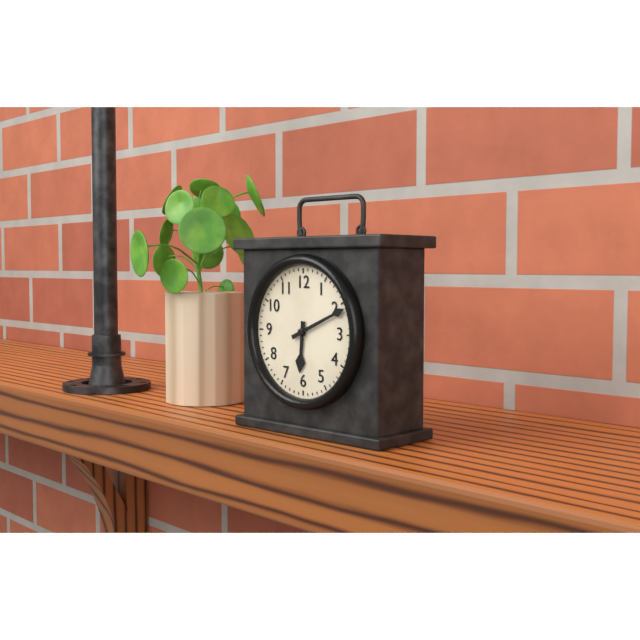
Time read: 6.11
